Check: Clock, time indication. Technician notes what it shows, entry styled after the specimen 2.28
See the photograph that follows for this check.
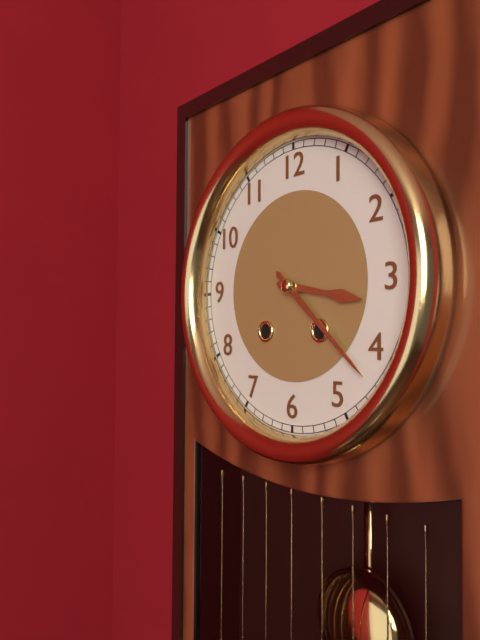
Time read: 3.22
